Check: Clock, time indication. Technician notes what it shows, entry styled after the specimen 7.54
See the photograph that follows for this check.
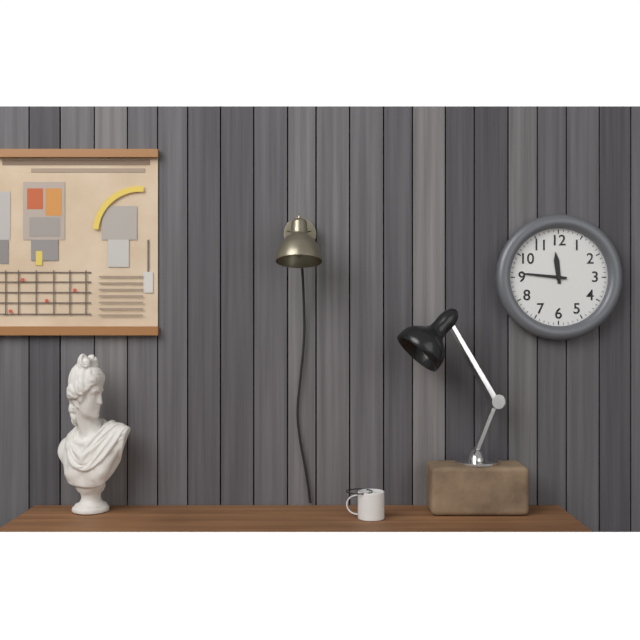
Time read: 11.46
